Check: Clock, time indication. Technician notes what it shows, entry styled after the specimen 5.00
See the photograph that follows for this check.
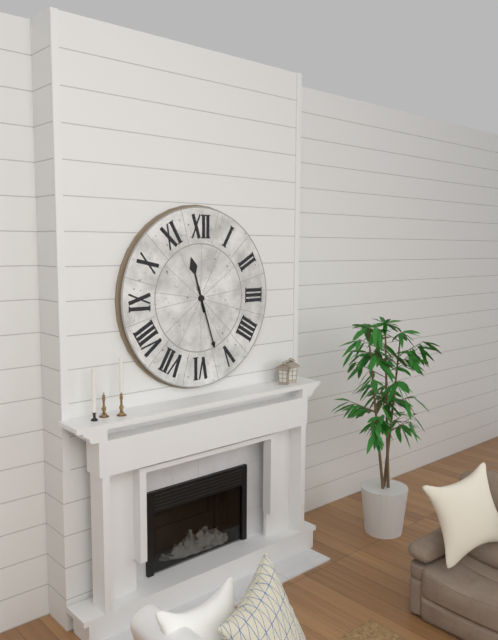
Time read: 11.27
